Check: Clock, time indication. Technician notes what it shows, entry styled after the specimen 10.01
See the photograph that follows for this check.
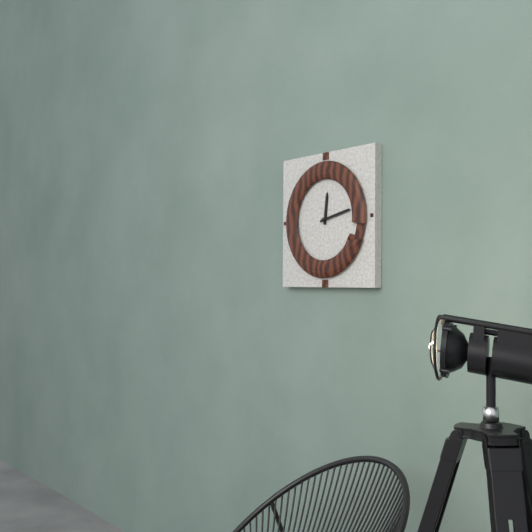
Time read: 12.13
